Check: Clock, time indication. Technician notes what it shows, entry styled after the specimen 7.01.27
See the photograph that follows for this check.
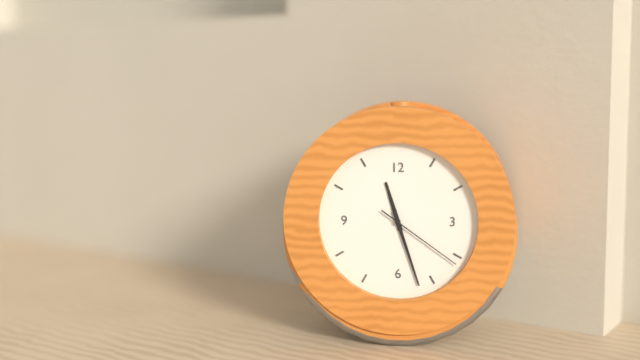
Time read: 11.27.21
